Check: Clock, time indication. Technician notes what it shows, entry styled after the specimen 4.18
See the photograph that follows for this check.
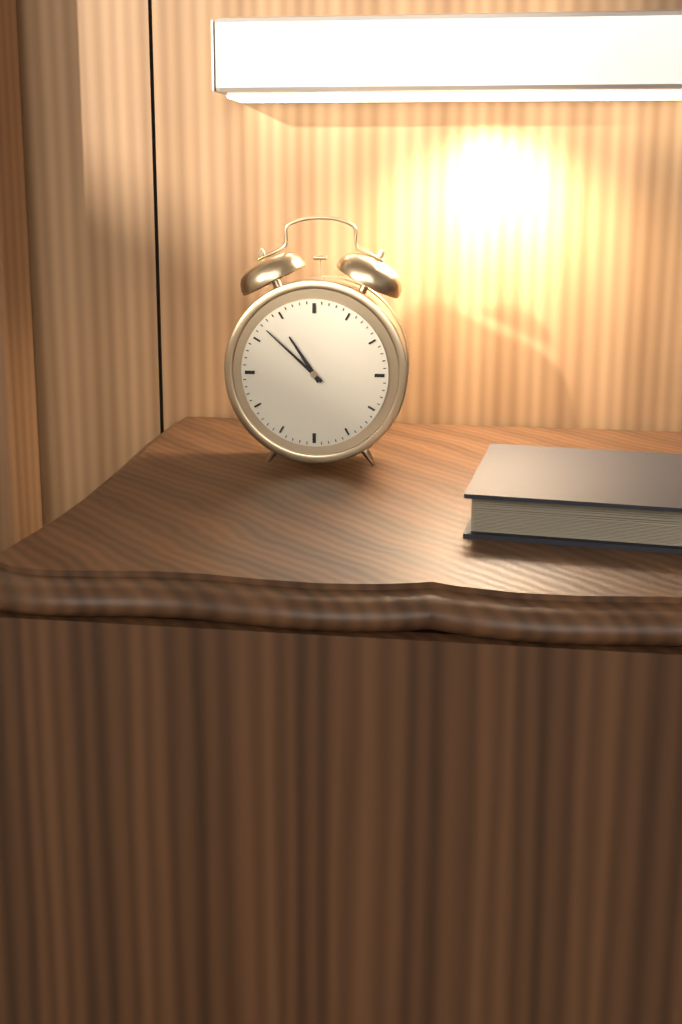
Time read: 10.52
